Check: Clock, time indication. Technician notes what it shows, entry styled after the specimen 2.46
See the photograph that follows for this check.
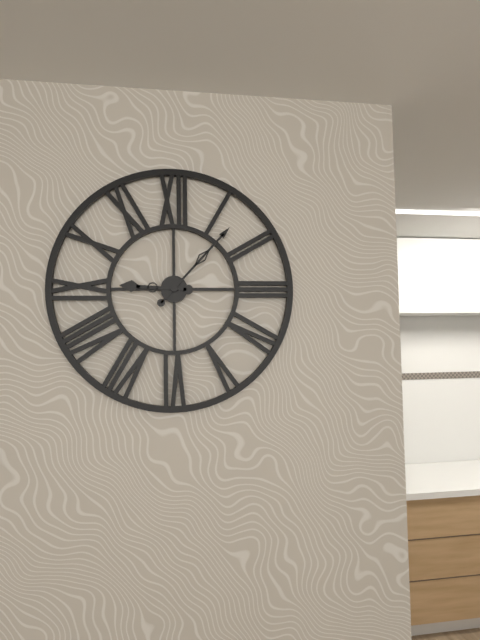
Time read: 9.07
